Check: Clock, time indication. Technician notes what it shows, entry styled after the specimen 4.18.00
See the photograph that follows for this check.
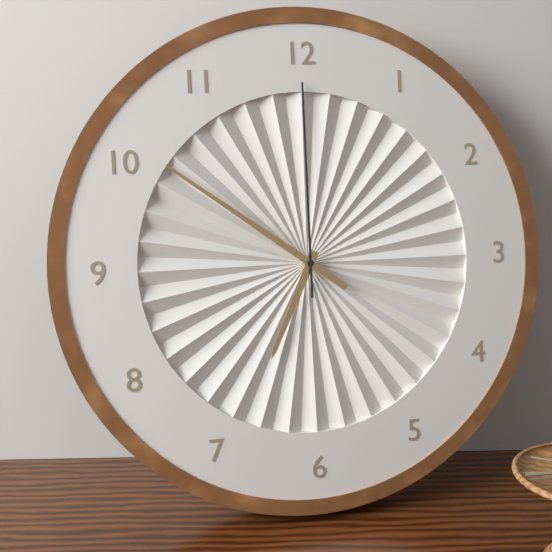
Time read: 6.51.00
